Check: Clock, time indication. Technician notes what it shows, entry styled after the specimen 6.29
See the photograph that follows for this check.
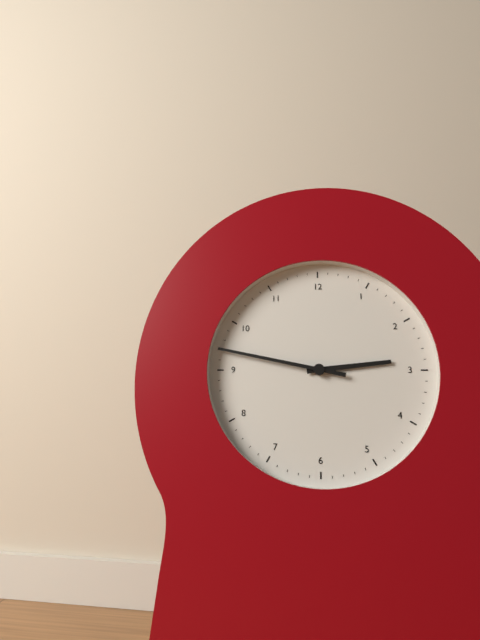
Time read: 2.47
